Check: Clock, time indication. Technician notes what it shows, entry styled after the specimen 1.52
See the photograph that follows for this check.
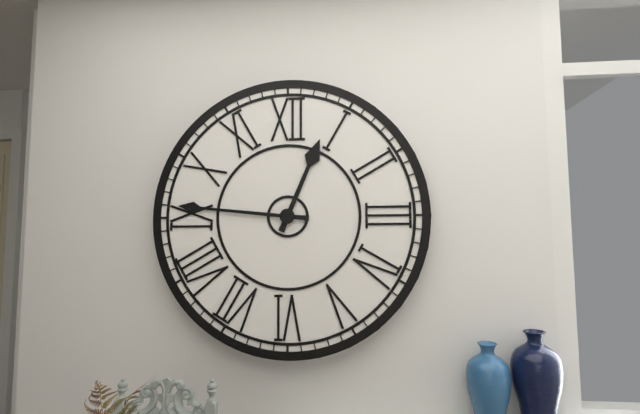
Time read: 12.46
